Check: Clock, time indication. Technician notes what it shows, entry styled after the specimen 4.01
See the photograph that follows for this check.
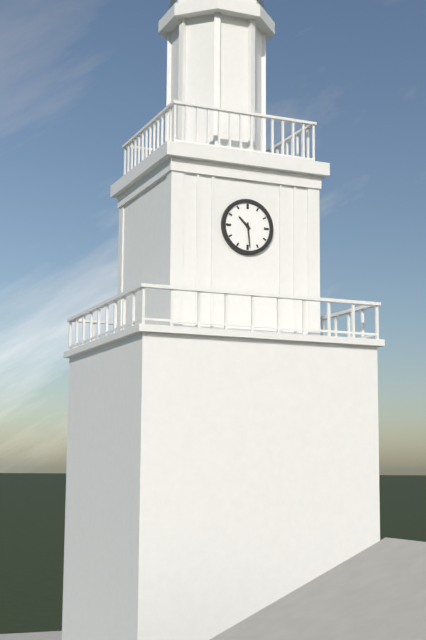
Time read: 10.29
